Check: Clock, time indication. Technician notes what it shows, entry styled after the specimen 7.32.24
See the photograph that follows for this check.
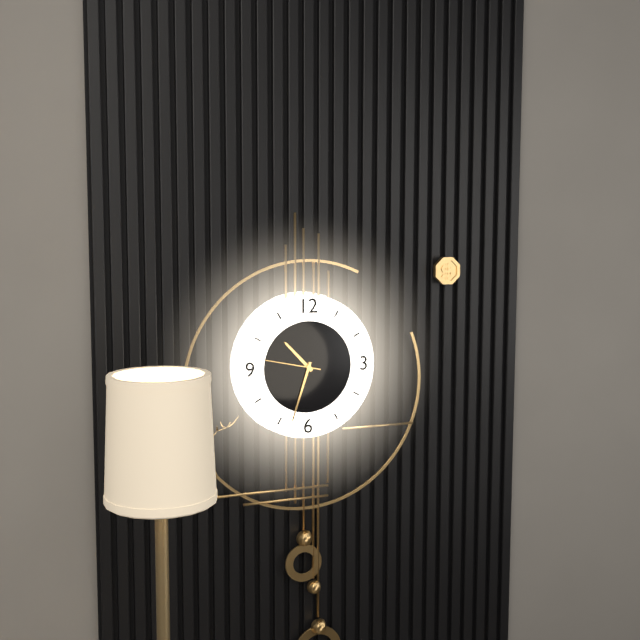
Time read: 10.33.47
